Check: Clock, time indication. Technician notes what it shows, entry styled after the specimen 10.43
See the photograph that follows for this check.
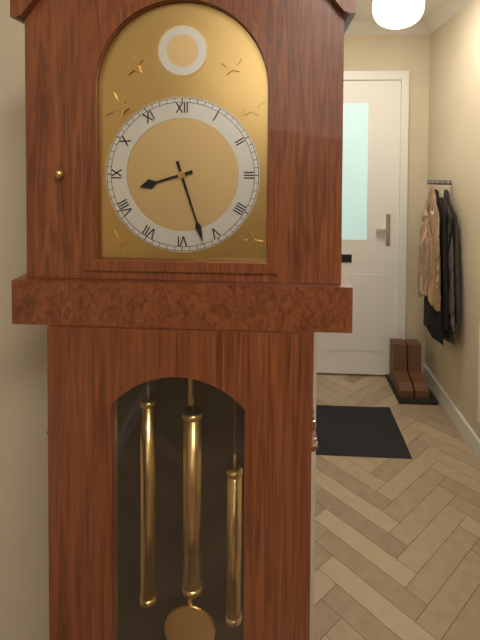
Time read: 8.27
